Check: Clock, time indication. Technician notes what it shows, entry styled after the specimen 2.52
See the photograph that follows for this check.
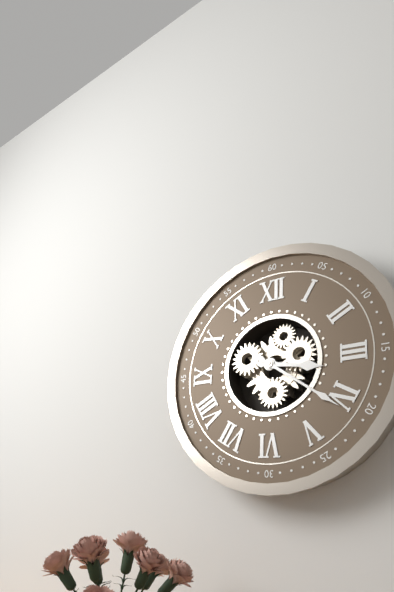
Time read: 3.21
